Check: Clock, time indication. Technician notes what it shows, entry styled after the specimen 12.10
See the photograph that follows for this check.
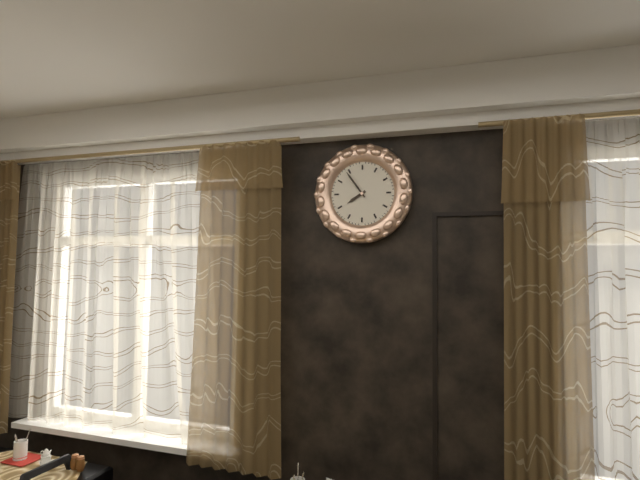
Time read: 7.54
